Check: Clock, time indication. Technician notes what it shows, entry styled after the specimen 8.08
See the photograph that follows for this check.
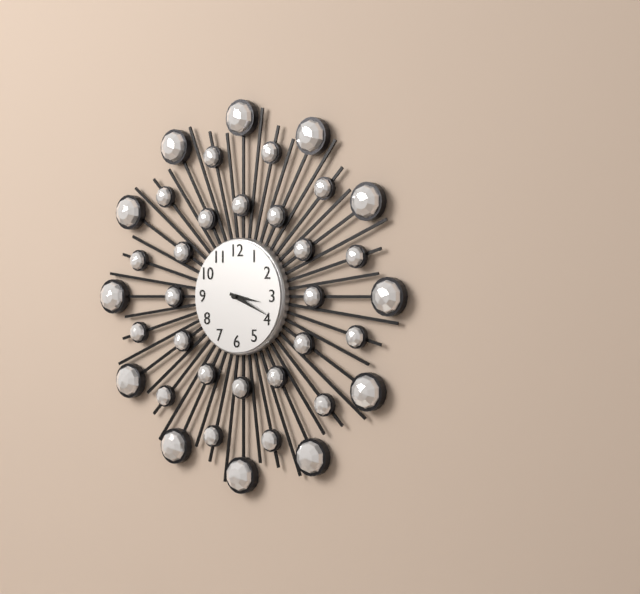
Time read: 3.19
